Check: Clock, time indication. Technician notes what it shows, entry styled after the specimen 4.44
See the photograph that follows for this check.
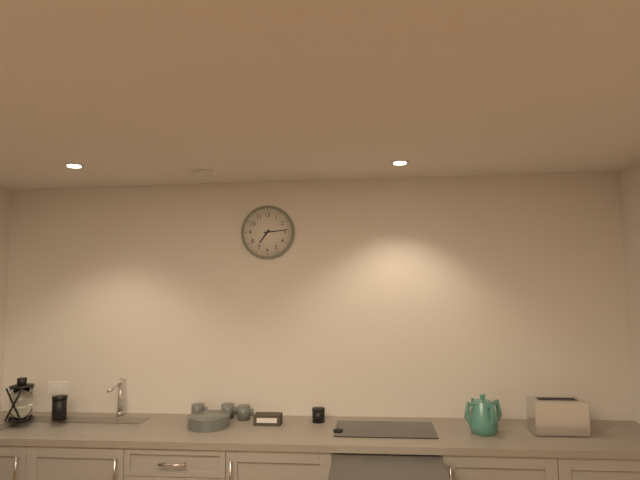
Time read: 7.14
